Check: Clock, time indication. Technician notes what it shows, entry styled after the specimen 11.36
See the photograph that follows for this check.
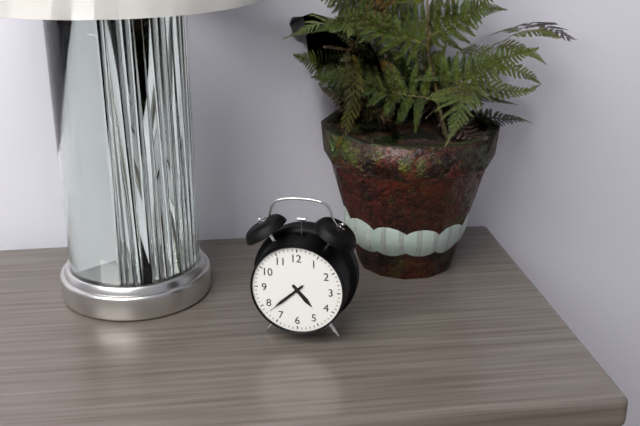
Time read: 4.38
